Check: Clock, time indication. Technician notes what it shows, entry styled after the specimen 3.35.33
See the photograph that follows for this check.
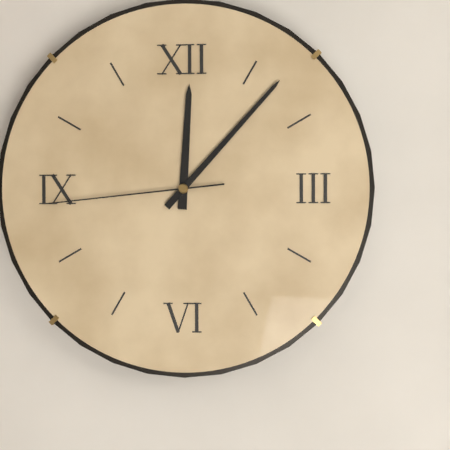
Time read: 12.07.44
